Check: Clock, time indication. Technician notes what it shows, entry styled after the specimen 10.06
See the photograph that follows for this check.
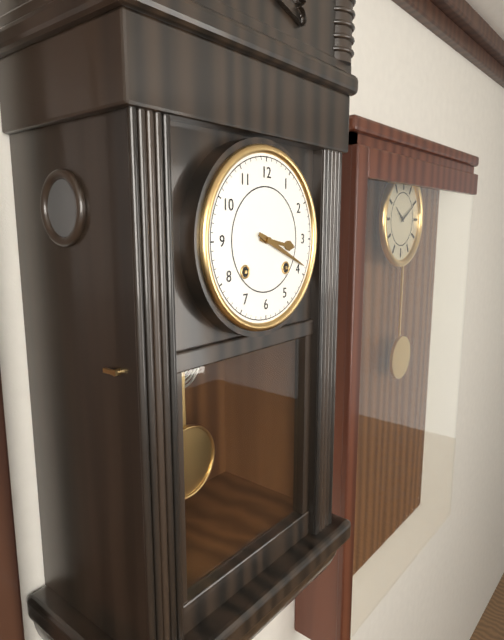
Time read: 3.19
